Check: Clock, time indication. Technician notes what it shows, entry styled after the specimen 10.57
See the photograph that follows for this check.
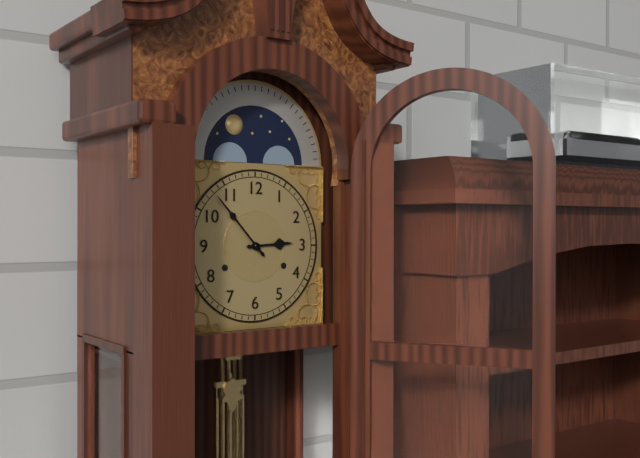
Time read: 2.53
